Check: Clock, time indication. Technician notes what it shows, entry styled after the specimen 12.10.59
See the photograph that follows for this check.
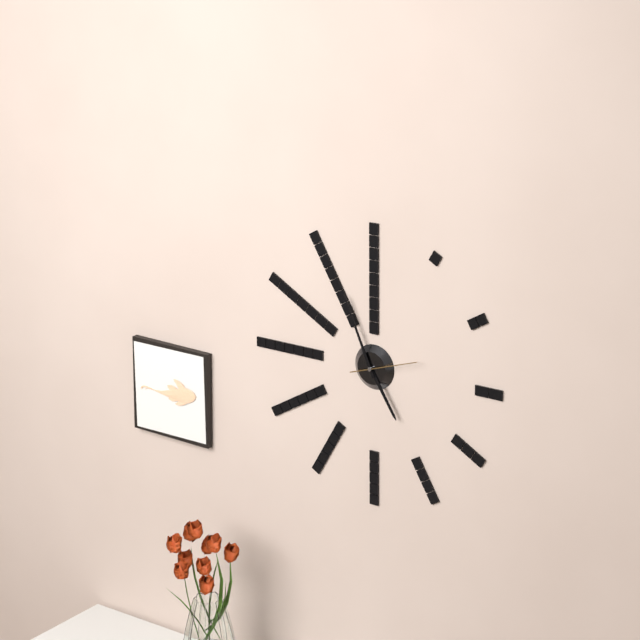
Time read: 4.56.12
